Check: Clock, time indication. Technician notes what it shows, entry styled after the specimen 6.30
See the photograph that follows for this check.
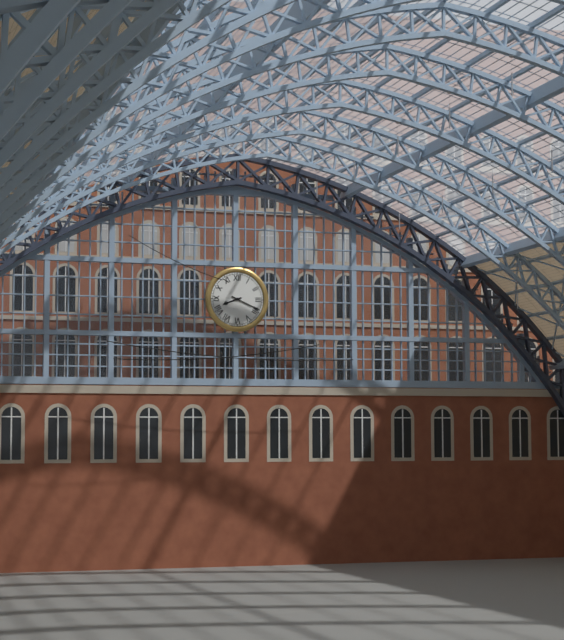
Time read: 8.19
